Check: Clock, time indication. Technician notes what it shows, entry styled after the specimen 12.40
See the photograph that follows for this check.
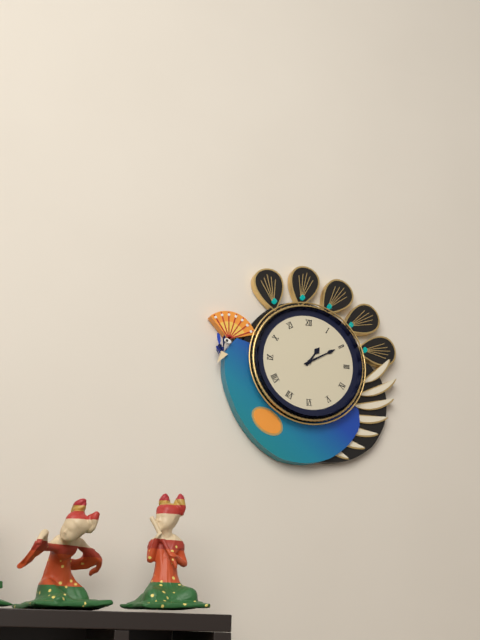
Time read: 1.10
